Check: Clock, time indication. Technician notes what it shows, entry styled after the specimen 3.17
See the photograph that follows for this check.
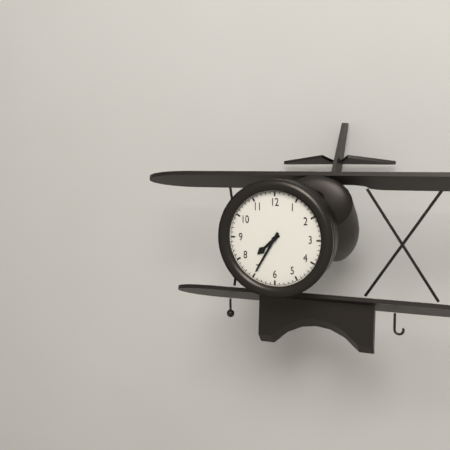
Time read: 7.35
